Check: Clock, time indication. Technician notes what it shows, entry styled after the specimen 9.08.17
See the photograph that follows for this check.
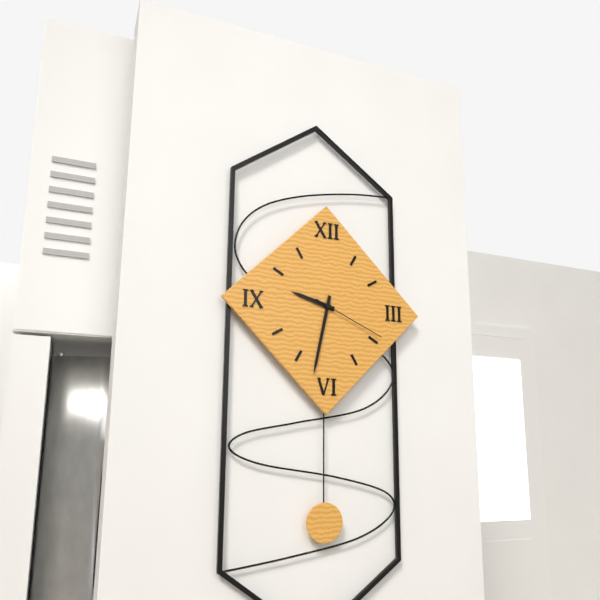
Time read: 9.32.19
